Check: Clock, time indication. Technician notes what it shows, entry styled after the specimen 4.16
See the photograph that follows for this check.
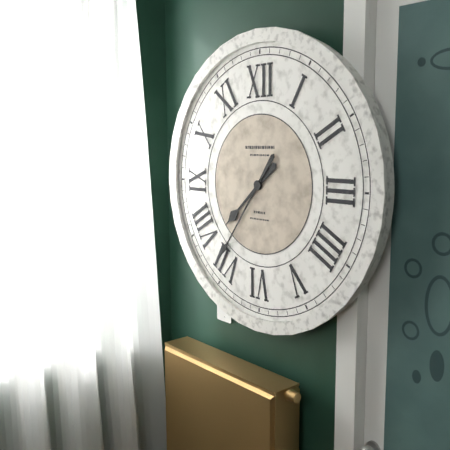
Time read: 7.36
